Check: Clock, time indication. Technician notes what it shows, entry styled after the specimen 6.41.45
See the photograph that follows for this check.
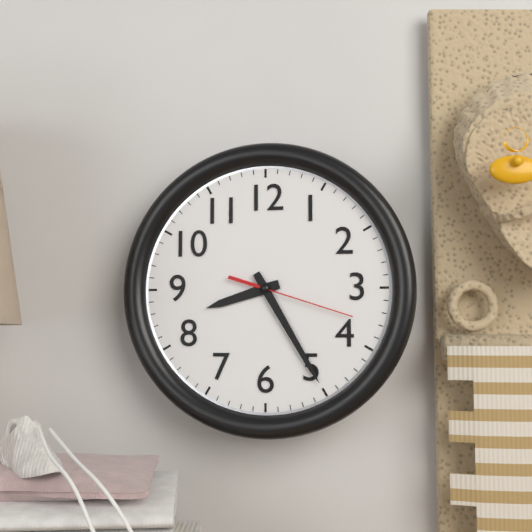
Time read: 8.25.18
